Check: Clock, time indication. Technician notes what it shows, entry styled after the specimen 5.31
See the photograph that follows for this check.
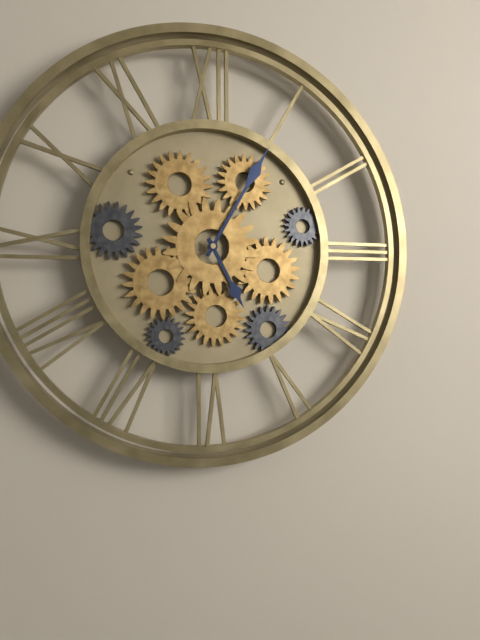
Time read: 5.05
